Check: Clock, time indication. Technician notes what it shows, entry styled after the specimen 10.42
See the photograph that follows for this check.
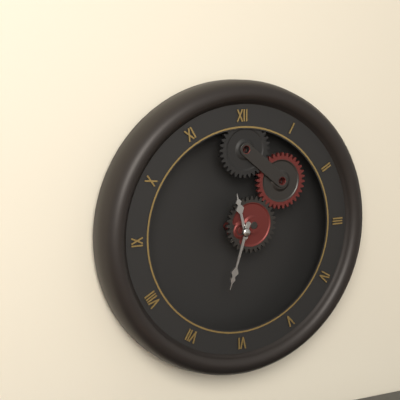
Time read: 11.33
